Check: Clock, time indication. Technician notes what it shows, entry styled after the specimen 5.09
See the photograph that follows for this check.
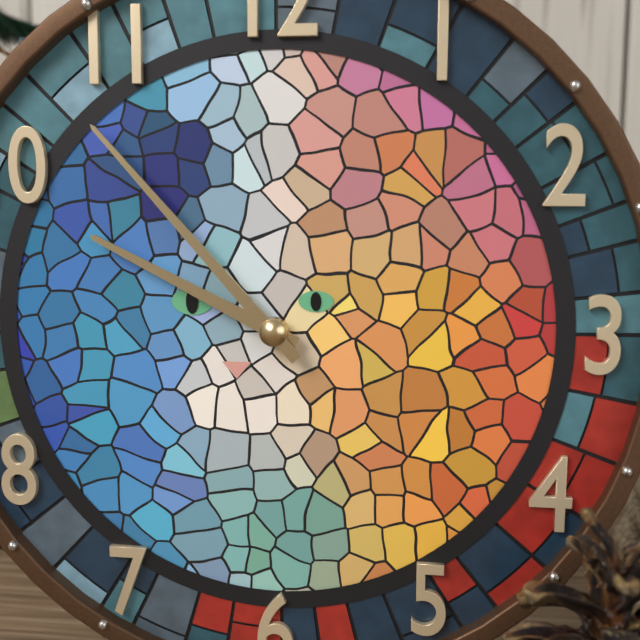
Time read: 9.53
